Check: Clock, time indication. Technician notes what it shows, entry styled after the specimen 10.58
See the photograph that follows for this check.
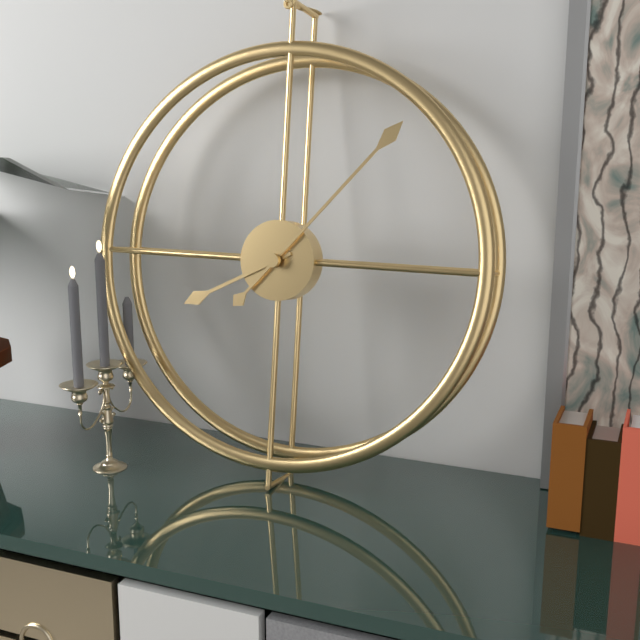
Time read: 8.07
